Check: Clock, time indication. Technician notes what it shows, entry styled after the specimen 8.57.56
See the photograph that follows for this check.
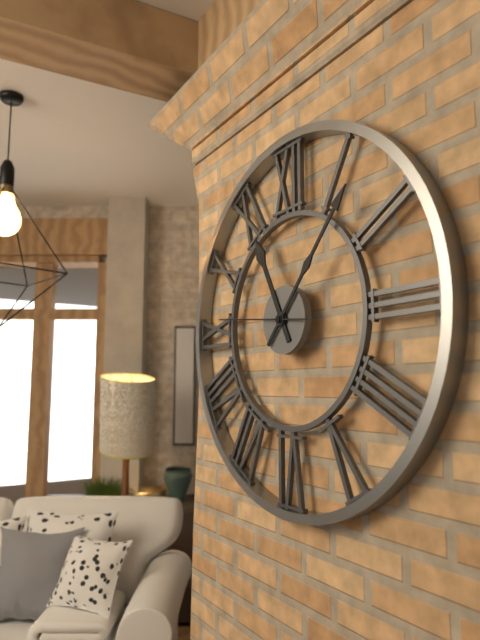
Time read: 11.07.46
